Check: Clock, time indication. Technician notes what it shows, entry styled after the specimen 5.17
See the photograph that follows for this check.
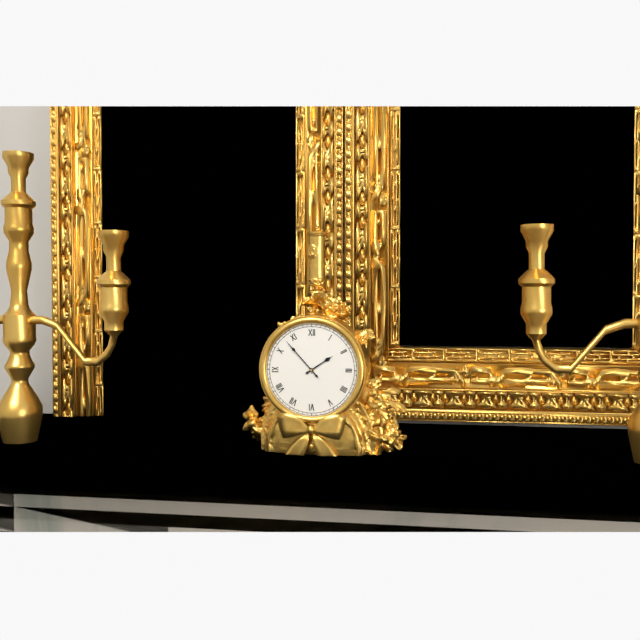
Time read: 1.53
